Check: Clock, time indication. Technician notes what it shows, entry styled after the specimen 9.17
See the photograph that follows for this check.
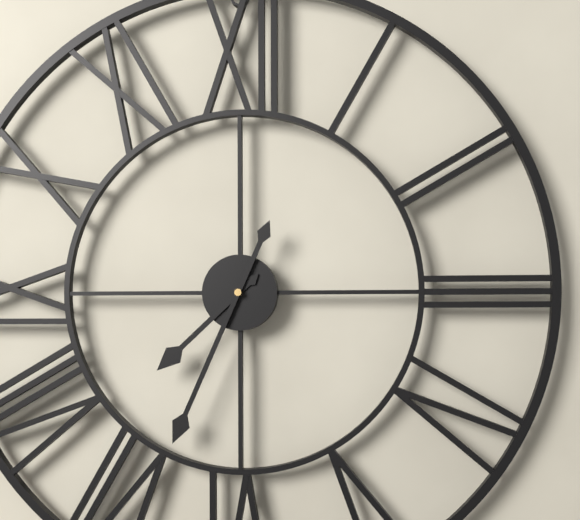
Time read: 7.34
